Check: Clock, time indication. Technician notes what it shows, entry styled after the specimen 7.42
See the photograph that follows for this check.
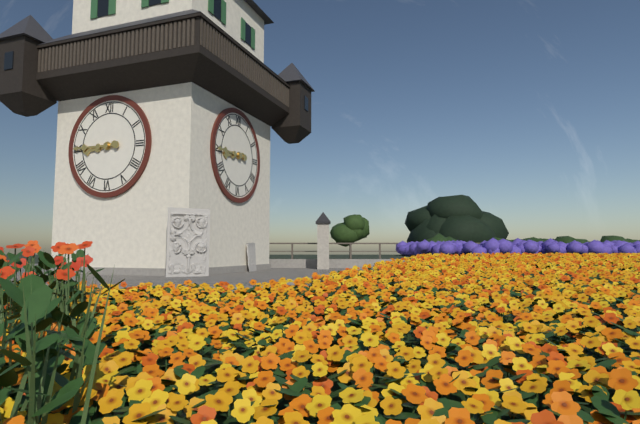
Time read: 8.45
